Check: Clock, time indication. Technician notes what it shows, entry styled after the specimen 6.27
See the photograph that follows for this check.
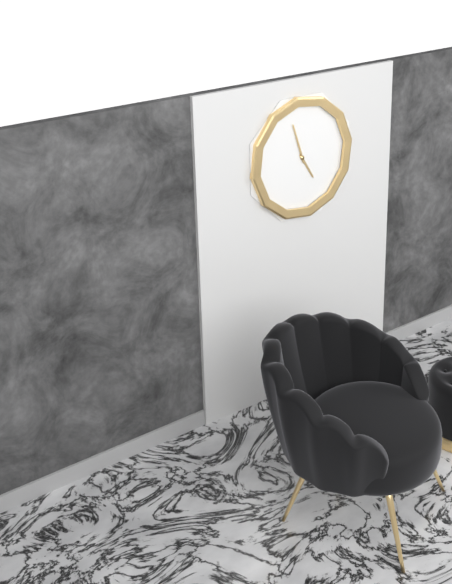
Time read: 4.57
